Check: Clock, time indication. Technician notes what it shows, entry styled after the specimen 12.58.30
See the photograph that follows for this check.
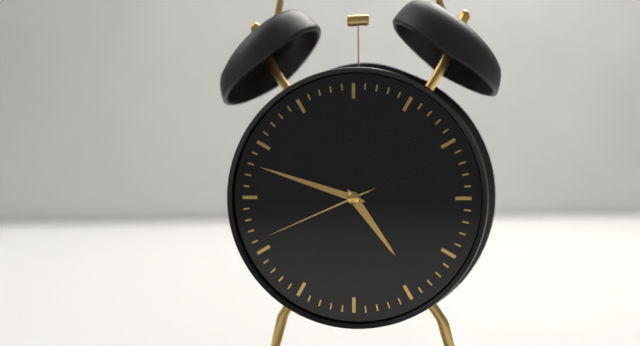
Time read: 4.48.41
